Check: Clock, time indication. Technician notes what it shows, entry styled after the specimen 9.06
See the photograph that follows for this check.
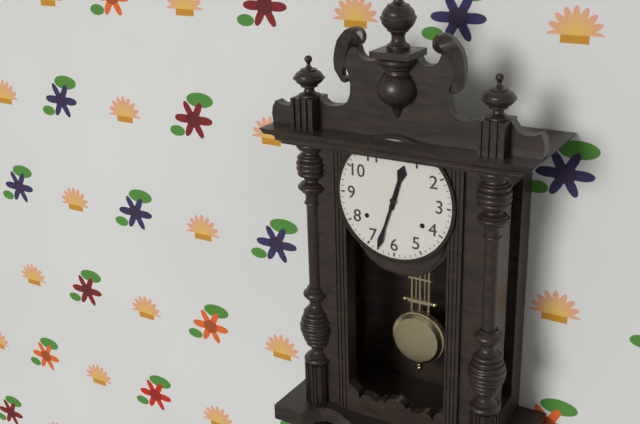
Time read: 12.33
